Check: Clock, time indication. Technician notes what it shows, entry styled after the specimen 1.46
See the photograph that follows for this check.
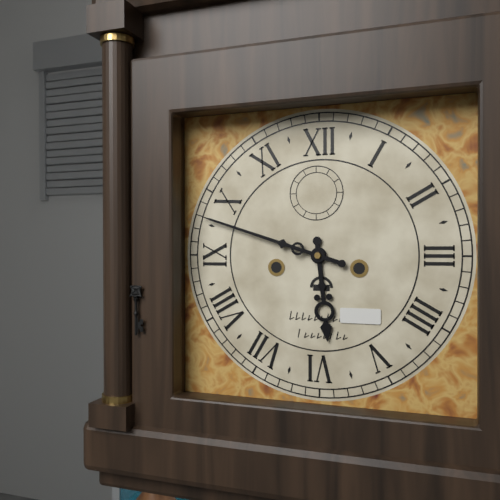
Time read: 5.48
